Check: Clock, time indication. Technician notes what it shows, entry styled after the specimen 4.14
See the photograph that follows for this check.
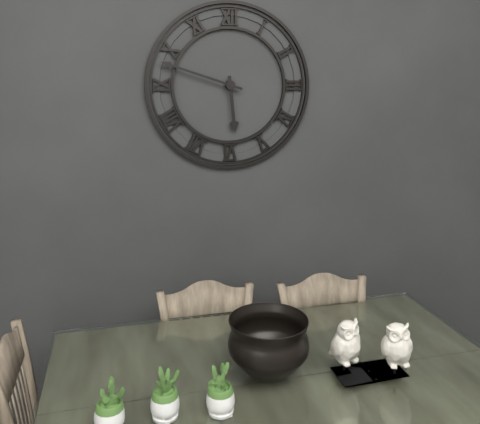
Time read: 5.48
